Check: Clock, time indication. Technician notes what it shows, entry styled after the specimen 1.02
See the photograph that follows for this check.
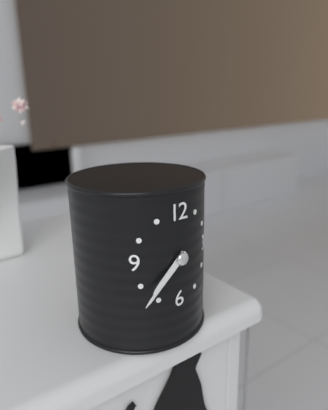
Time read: 7.38
